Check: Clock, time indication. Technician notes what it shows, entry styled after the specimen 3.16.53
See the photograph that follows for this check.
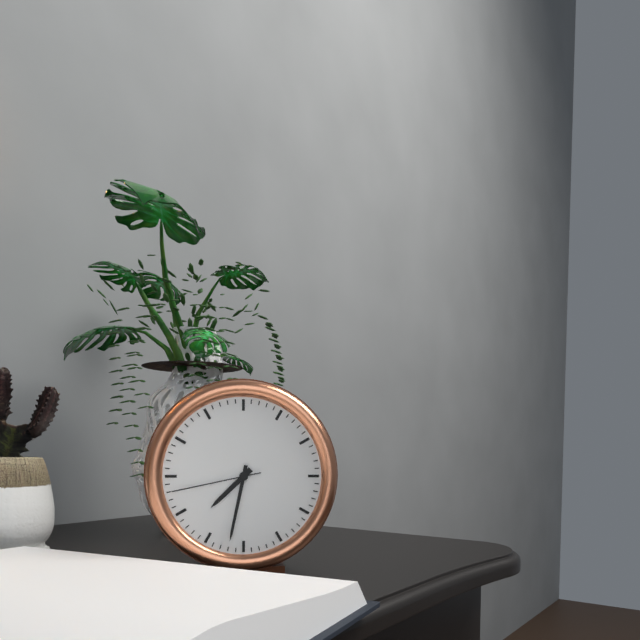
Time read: 7.32.43
